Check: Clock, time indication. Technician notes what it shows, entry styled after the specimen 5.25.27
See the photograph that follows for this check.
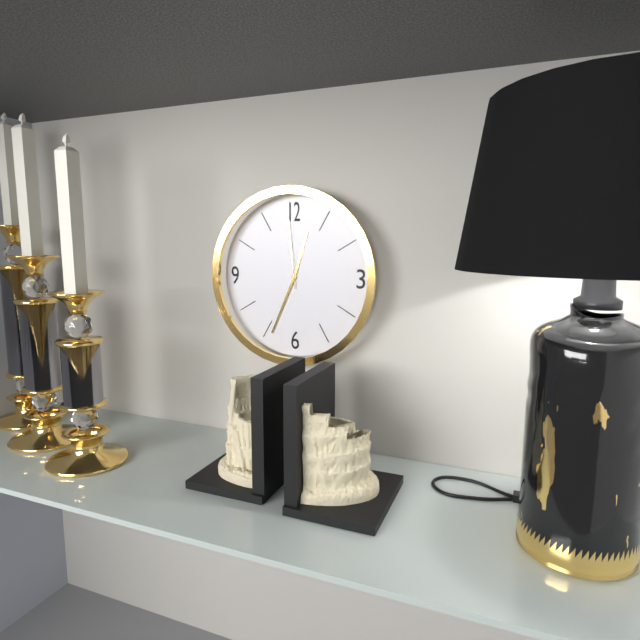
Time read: 12.34.59
